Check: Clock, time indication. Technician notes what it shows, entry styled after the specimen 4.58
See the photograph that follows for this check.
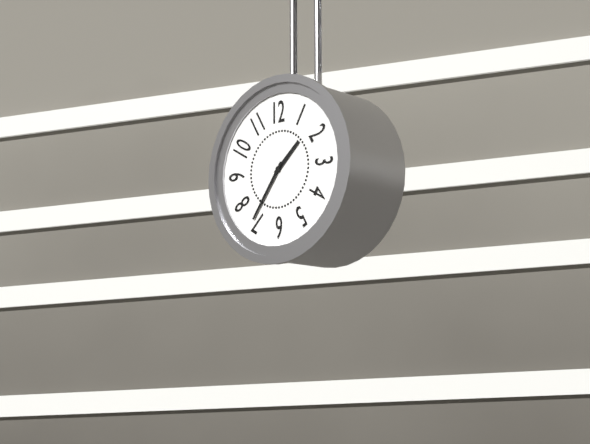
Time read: 1.36
